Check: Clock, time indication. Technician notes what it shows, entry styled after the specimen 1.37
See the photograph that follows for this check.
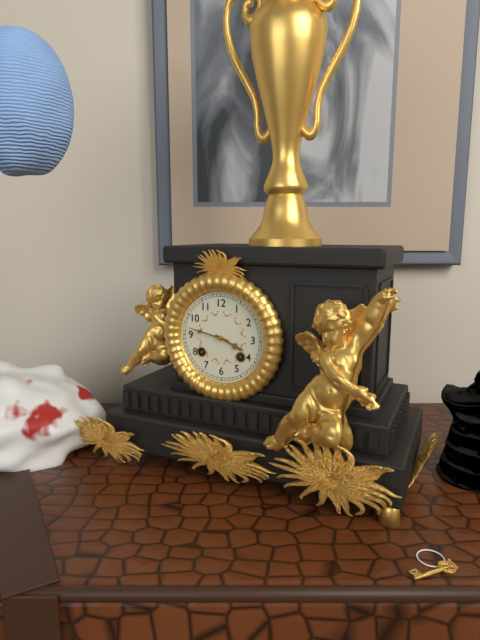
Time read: 3.47
